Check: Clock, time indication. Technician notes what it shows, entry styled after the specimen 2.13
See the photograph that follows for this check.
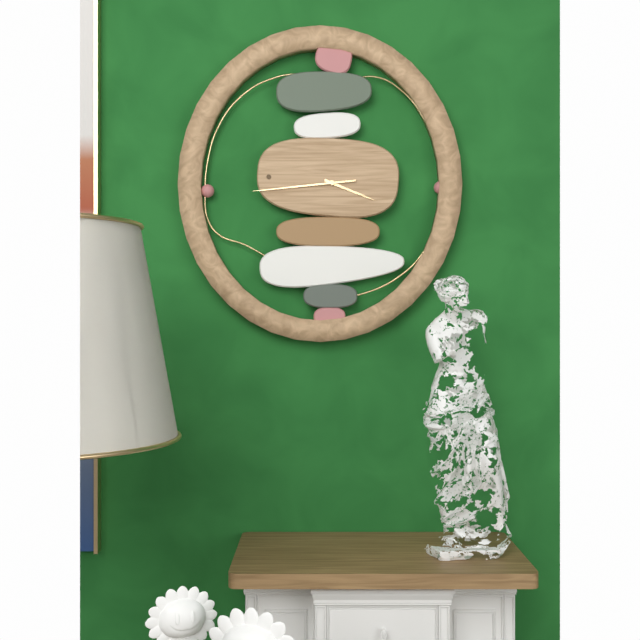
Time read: 3.44
